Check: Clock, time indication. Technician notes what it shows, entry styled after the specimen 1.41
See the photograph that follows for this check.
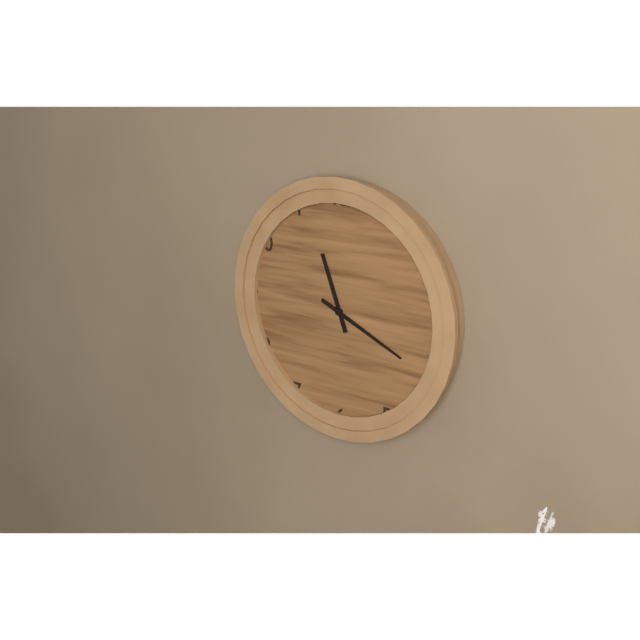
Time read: 11.19
